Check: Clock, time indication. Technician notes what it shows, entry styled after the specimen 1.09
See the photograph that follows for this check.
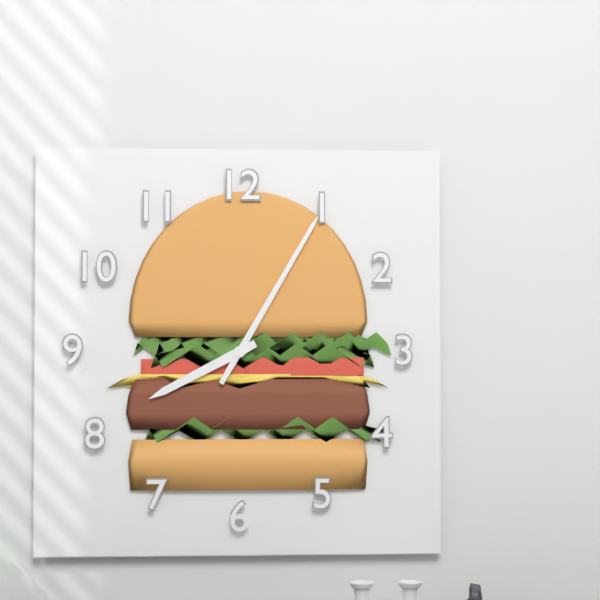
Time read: 8.05
